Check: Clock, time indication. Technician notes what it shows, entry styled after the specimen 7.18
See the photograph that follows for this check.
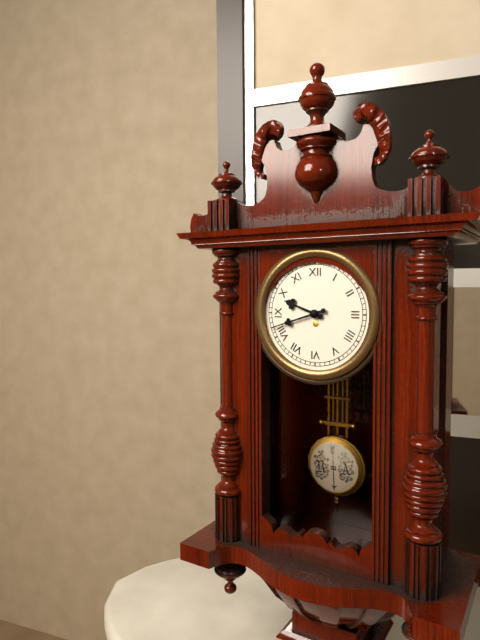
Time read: 9.42
